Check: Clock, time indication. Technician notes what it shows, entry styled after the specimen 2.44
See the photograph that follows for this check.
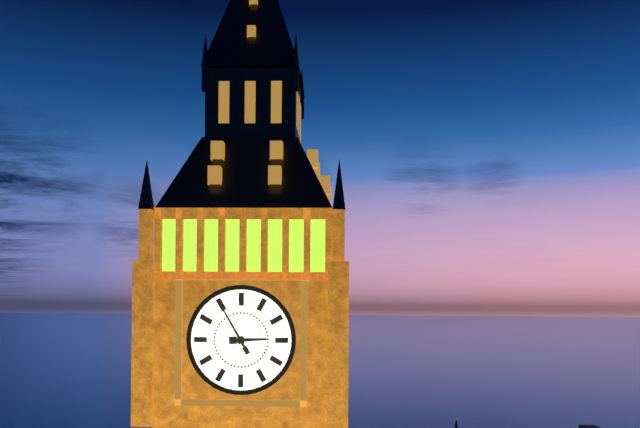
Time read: 2.55
